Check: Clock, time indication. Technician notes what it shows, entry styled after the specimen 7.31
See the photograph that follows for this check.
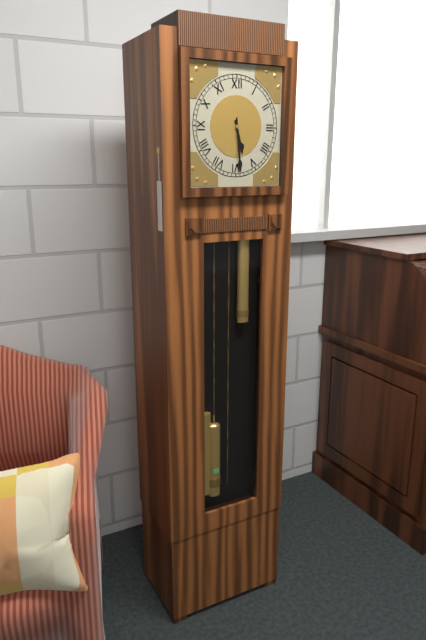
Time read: 5.29
